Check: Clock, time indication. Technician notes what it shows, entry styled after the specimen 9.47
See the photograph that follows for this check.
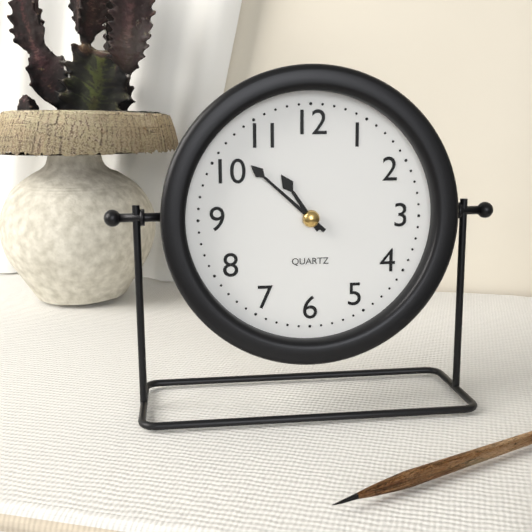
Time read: 10.52
